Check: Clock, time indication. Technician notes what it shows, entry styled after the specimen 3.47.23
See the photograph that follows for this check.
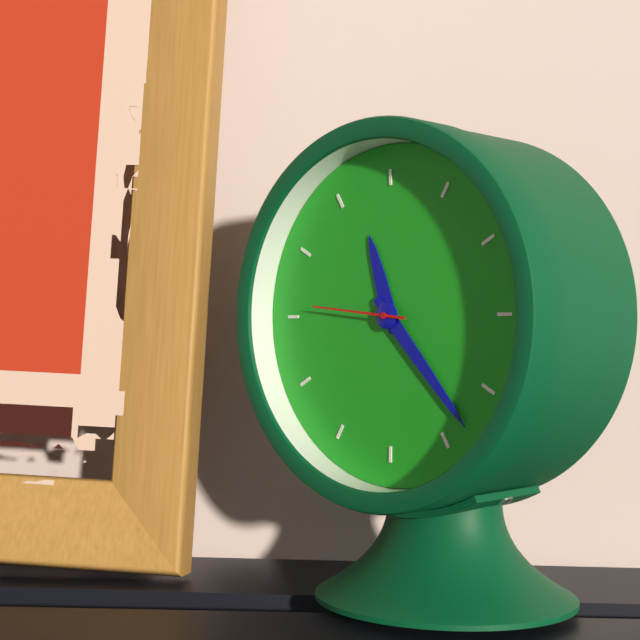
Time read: 11.23.46
